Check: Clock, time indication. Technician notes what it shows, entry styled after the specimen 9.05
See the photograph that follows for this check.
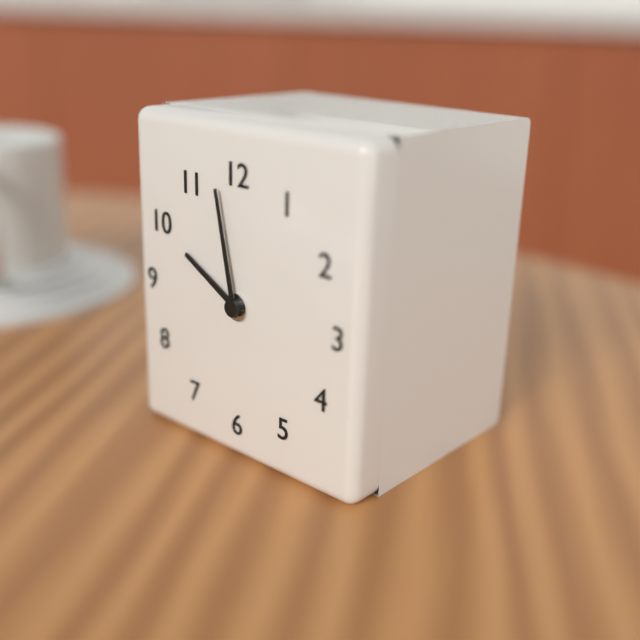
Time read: 9.58
